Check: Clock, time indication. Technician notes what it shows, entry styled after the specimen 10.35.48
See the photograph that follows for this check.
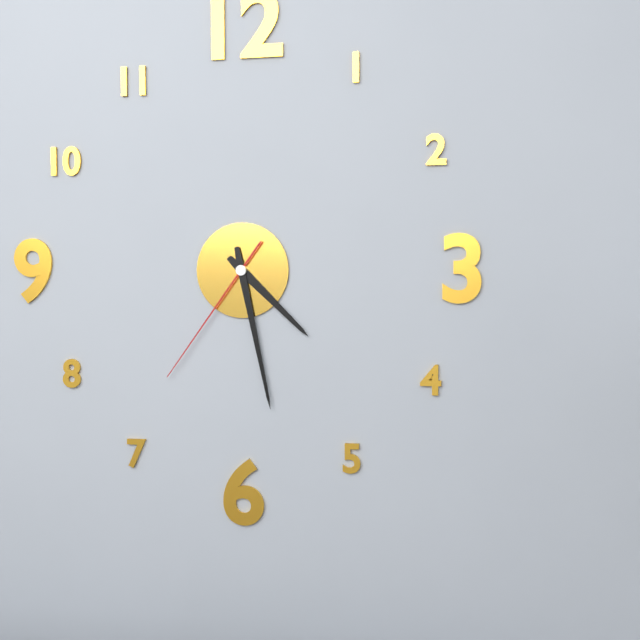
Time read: 4.28.36
